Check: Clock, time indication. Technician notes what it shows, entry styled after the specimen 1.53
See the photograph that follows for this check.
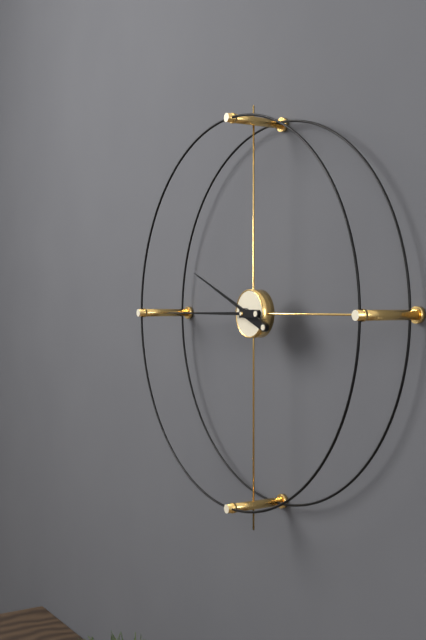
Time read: 9.45
